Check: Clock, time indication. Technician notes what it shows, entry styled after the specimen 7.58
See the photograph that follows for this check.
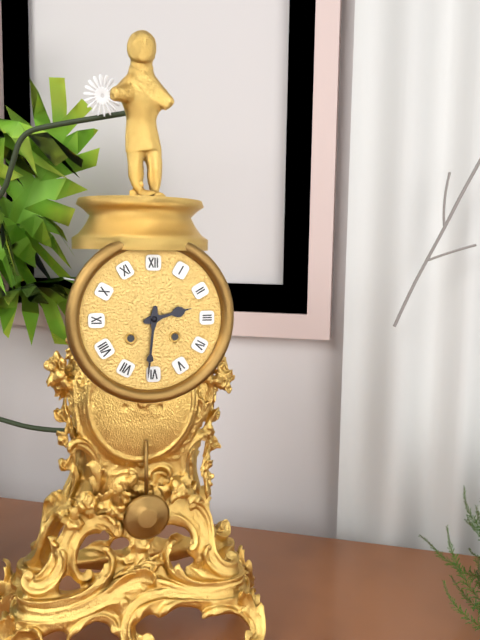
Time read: 2.31
